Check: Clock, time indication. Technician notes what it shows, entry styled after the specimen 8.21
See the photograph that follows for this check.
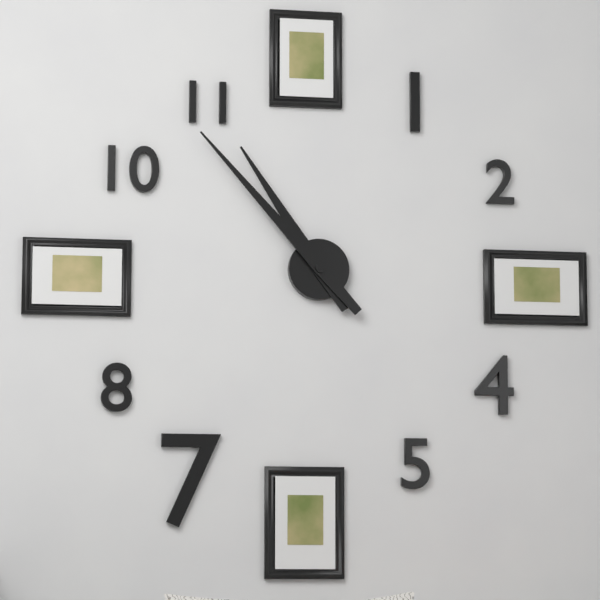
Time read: 10.53
